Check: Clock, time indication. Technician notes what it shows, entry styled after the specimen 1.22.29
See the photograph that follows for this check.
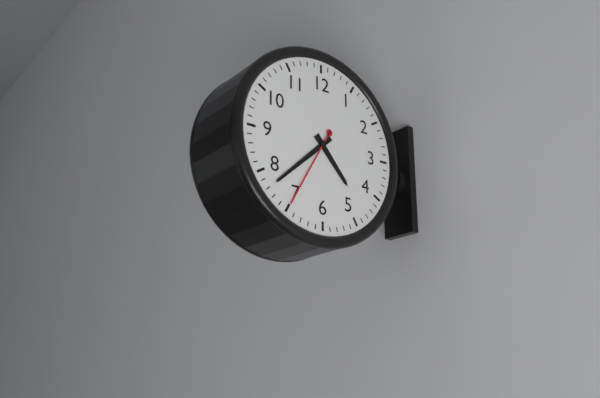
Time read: 4.38.35
